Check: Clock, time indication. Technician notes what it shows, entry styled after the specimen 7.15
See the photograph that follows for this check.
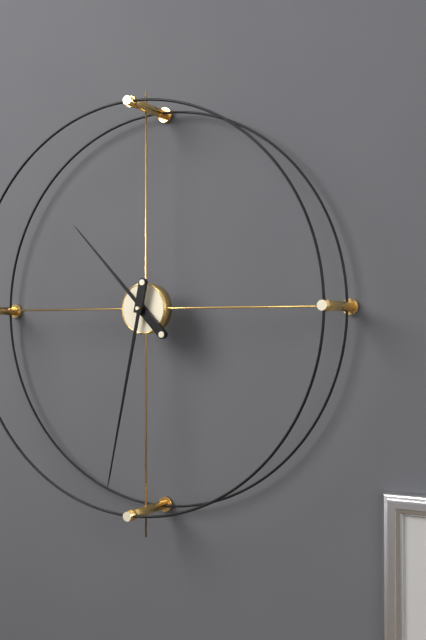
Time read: 10.32
